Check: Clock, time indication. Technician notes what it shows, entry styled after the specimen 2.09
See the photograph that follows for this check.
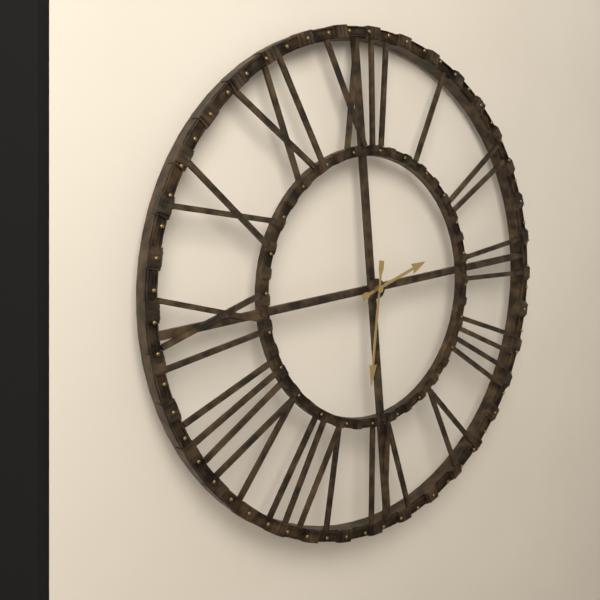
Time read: 2.32
